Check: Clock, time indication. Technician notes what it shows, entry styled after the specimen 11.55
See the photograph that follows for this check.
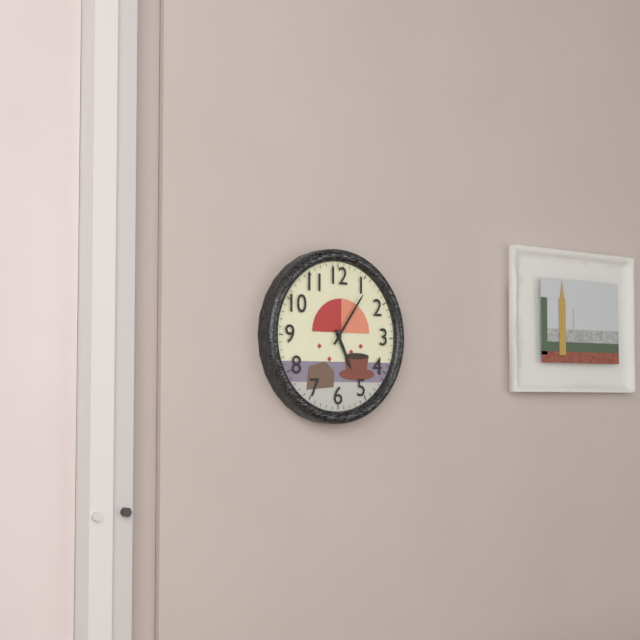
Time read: 5.06
